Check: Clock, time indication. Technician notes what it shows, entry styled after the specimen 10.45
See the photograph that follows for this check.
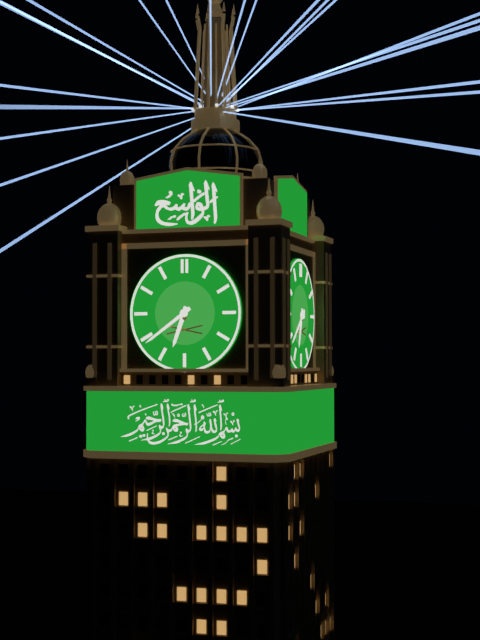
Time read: 6.39
